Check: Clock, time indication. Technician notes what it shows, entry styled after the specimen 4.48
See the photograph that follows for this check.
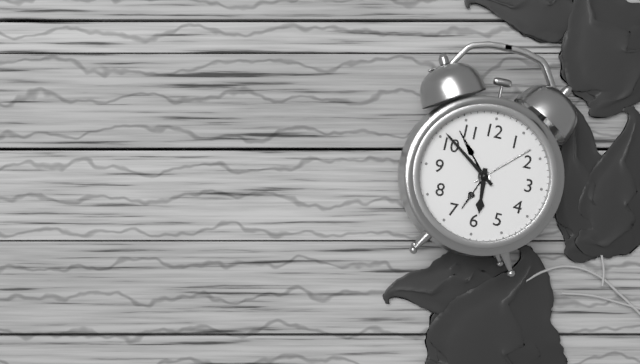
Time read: 5.51
